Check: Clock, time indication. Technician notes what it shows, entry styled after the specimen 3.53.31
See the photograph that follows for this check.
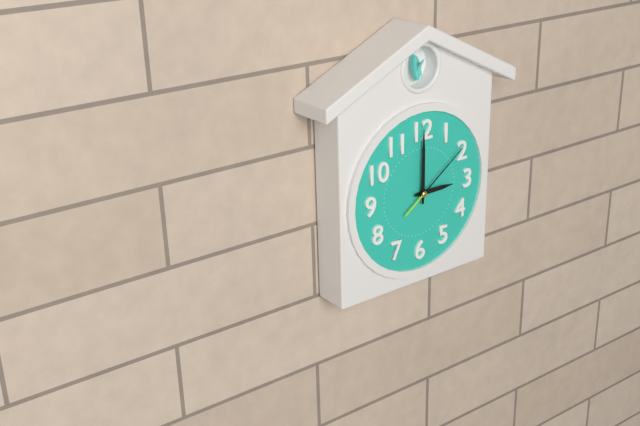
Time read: 3.00.09
